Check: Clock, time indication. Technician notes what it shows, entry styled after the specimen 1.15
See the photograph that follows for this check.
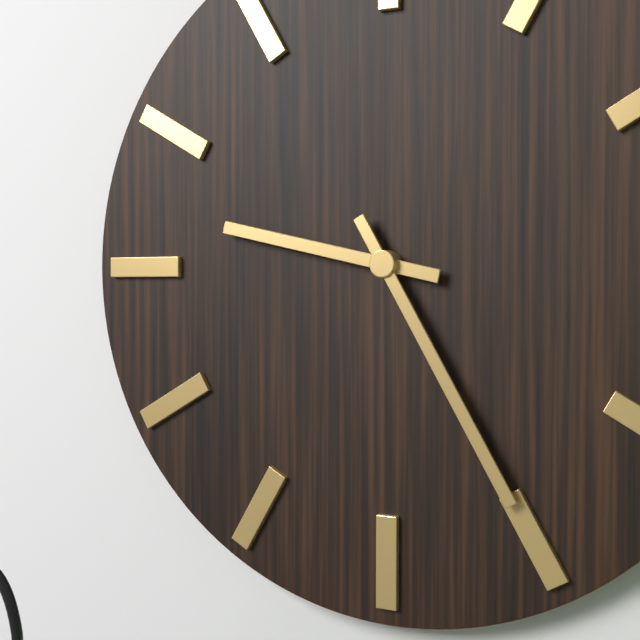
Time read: 9.25
